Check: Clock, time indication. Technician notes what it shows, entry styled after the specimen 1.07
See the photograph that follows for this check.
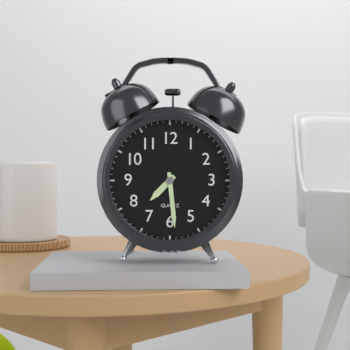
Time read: 7.29
